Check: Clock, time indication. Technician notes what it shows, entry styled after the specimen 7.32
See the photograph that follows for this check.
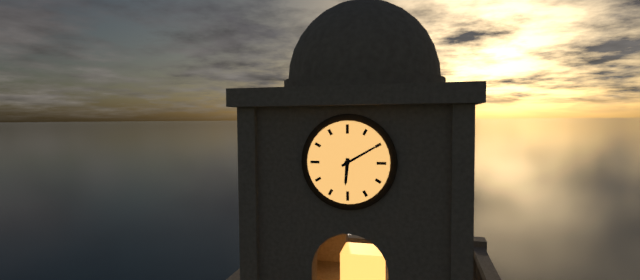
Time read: 6.10
